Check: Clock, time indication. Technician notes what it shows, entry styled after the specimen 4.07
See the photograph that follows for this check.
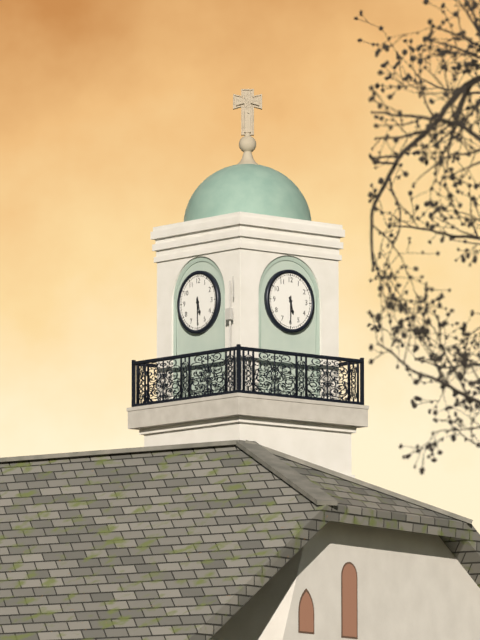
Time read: 5.30
